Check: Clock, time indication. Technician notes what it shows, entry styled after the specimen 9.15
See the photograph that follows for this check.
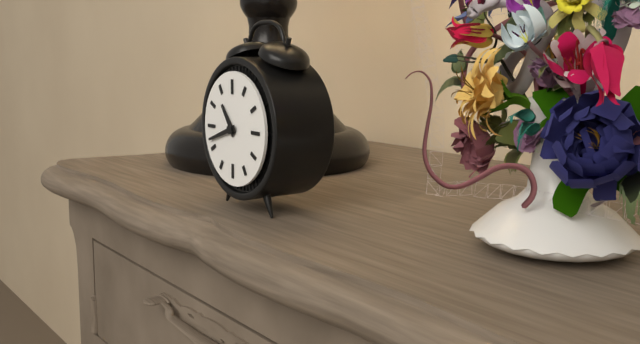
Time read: 10.42
